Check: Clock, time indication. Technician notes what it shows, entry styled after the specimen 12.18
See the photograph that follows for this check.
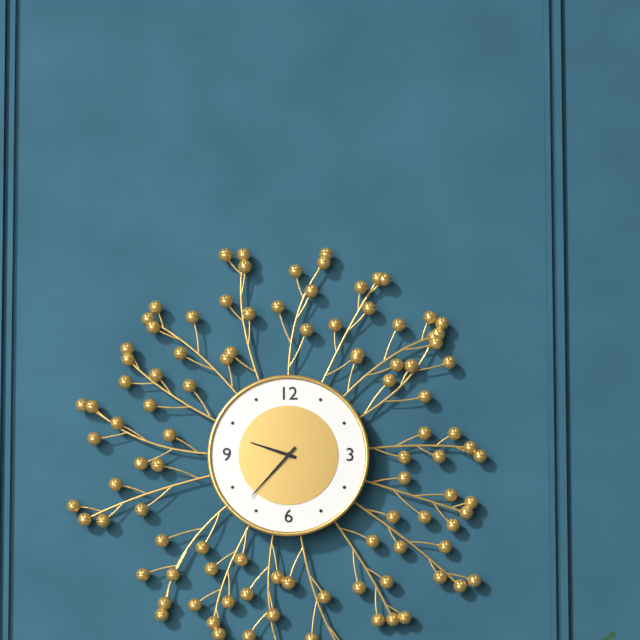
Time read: 9.37
